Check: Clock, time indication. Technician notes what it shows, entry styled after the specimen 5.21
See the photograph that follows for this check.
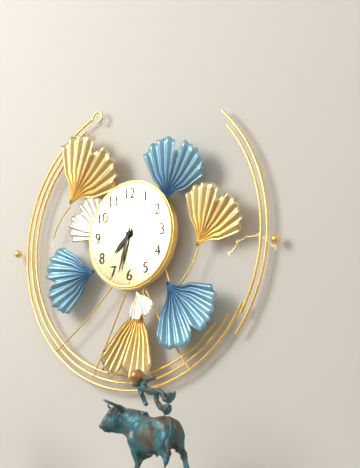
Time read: 7.33
